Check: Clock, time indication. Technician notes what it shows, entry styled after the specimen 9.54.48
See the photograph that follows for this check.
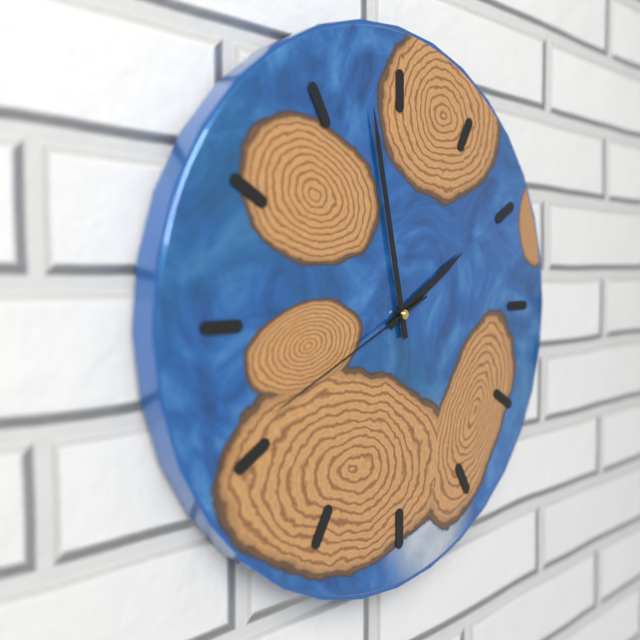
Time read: 1.58.41
